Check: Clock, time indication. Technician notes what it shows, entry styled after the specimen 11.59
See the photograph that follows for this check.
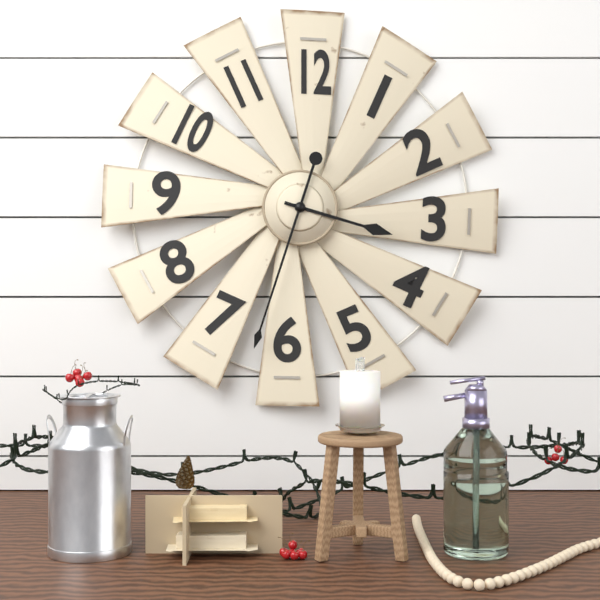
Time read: 3.33
